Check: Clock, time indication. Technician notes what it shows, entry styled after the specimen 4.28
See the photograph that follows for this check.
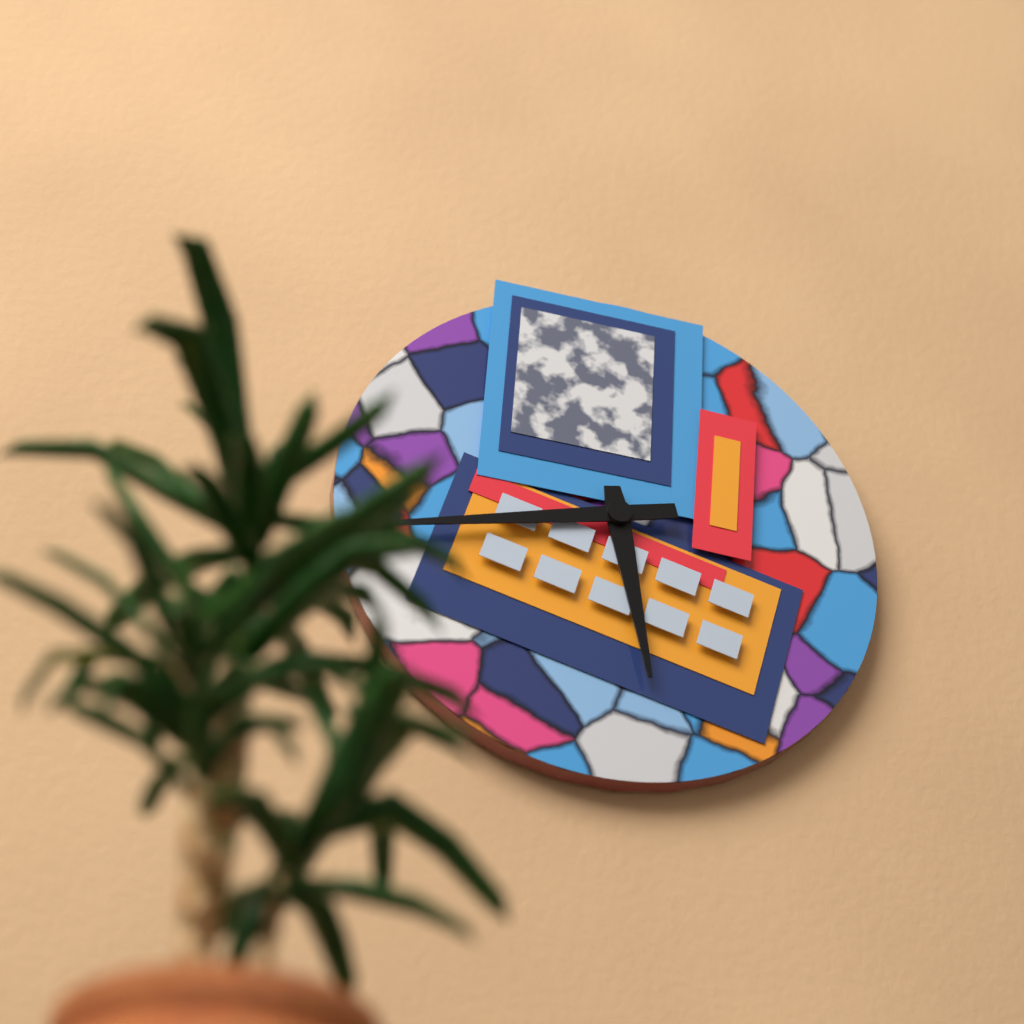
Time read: 5.43
